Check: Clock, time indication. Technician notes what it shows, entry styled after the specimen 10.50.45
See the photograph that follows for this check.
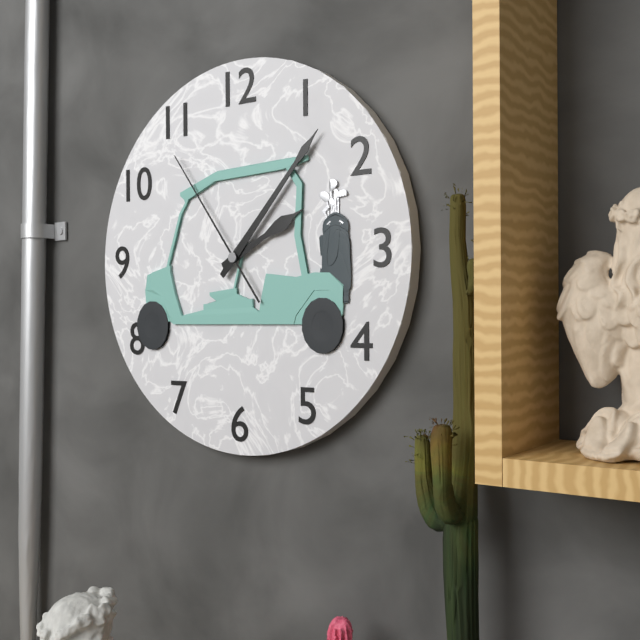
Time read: 2.07.54
